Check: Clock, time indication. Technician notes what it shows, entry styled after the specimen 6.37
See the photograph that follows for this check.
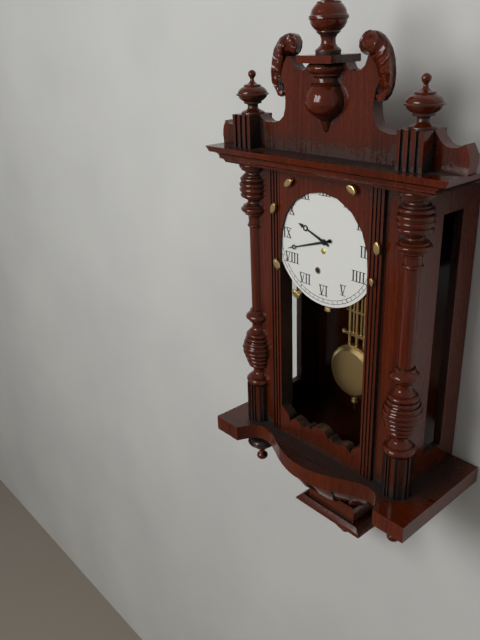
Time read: 9.42
